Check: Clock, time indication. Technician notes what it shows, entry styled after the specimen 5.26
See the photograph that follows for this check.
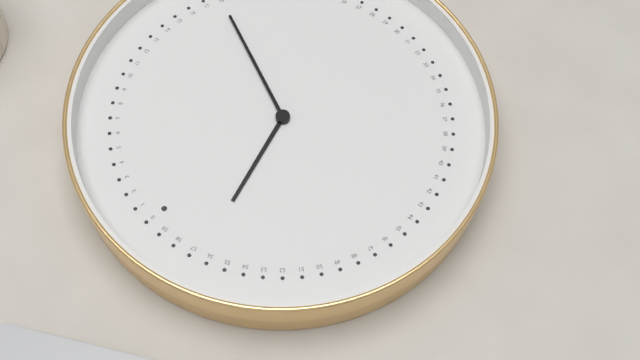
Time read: 11.18
